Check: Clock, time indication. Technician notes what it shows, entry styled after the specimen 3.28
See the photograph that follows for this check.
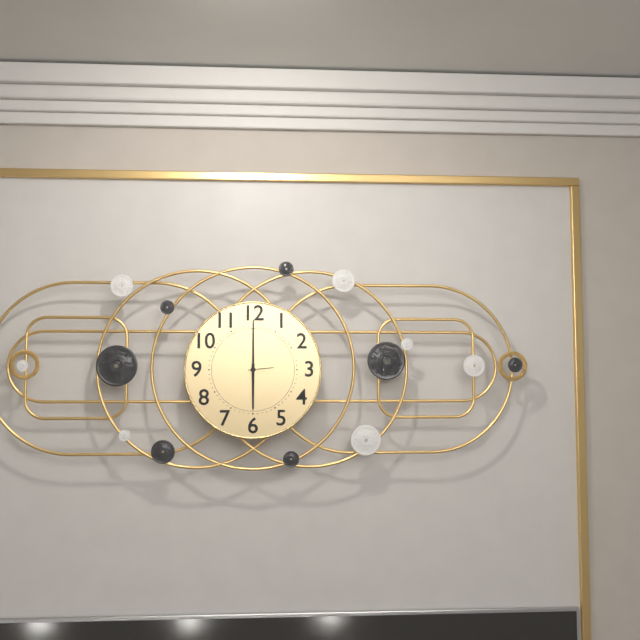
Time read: 6.00
